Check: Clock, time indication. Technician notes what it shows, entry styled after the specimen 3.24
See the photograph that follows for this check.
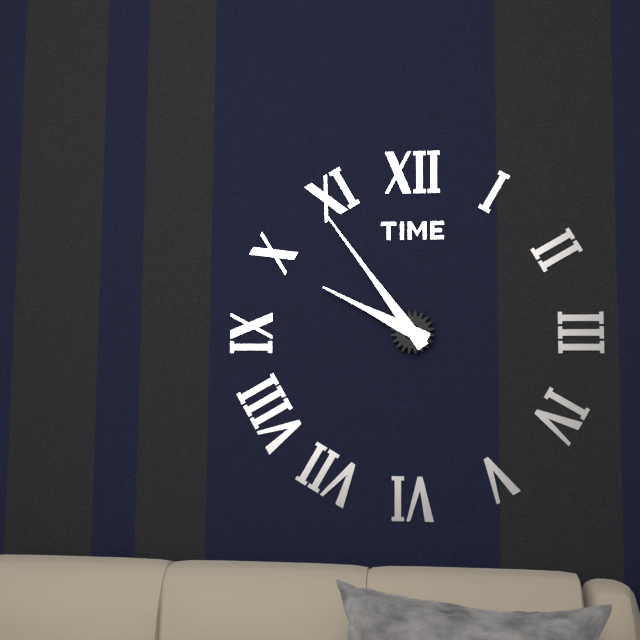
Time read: 9.54
